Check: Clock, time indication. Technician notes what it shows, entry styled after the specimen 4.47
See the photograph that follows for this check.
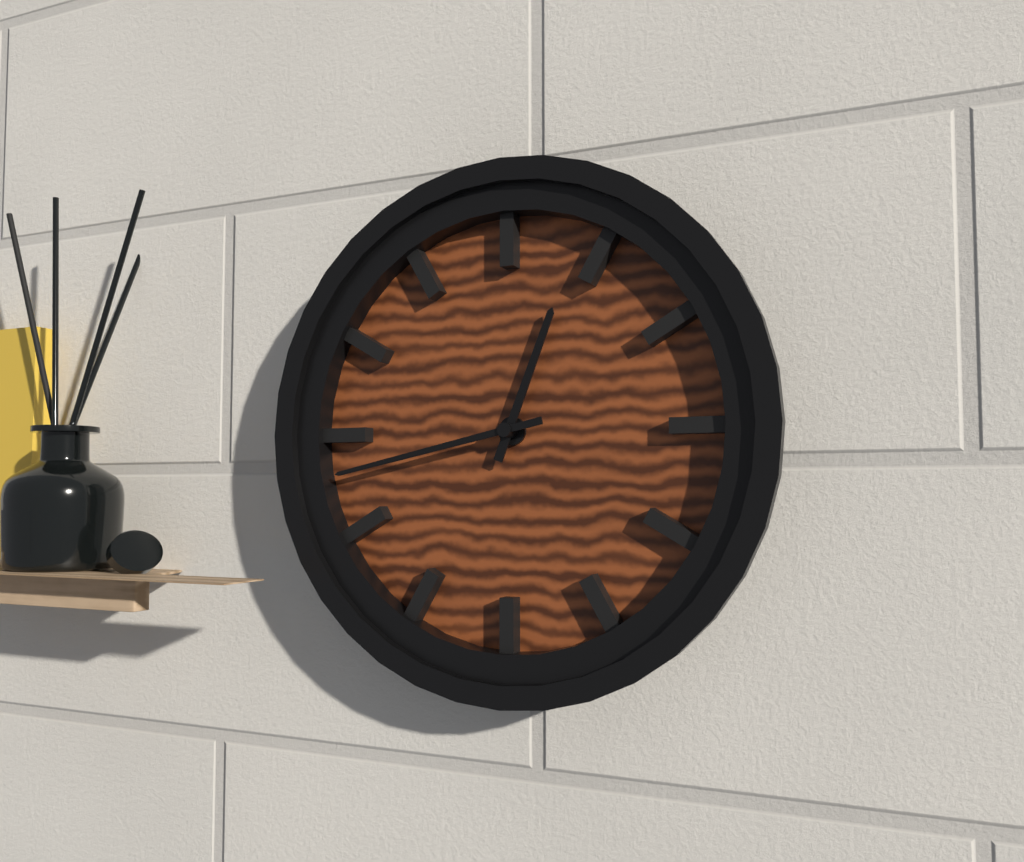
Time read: 12.43
